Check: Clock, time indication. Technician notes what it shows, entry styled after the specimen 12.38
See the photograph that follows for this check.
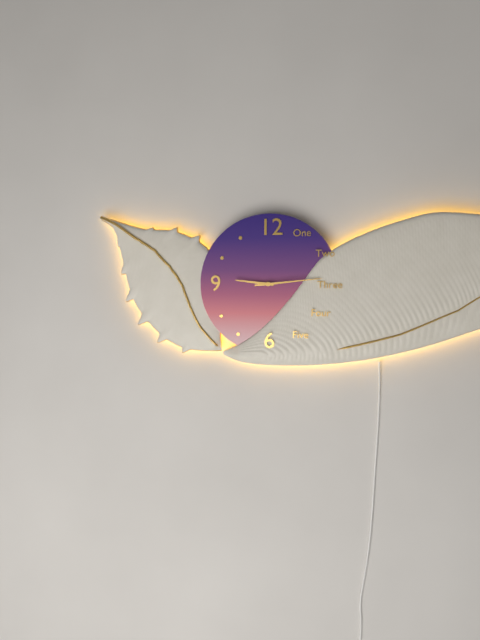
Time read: 9.14
